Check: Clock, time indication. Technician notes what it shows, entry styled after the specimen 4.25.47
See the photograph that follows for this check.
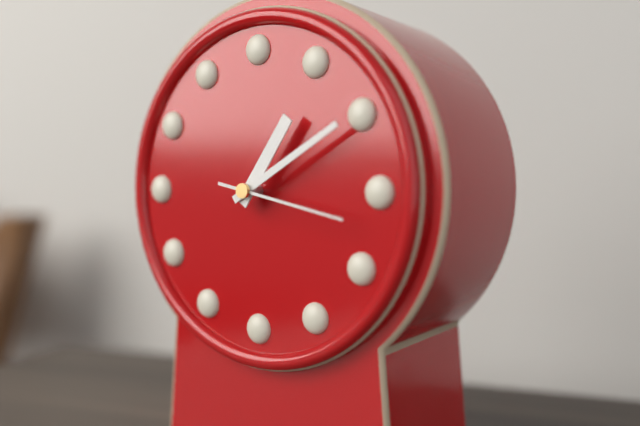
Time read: 1.10.17
